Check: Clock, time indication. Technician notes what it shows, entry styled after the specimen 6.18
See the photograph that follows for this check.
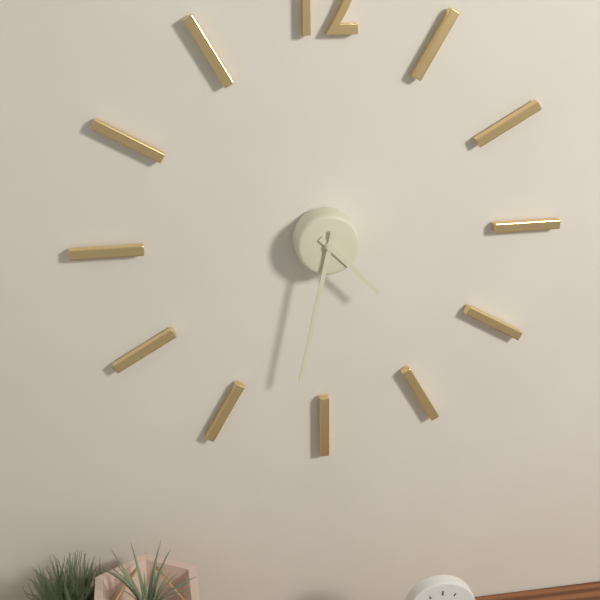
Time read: 4.32
